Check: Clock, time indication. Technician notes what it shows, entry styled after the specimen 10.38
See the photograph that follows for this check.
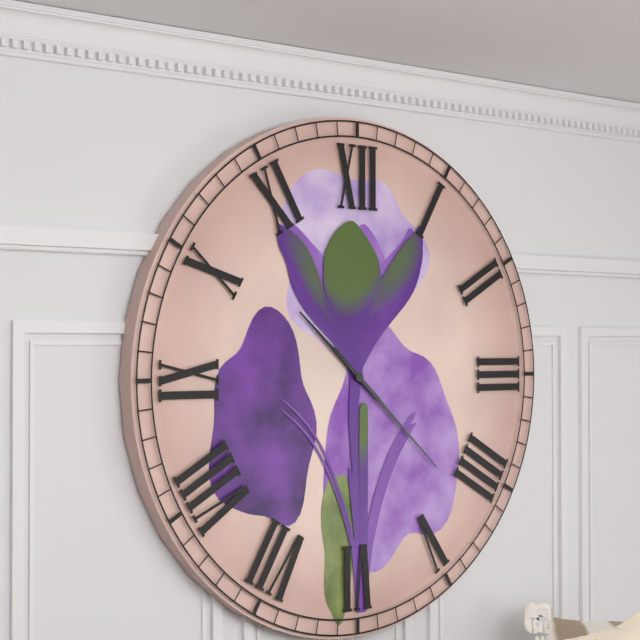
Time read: 10.22
